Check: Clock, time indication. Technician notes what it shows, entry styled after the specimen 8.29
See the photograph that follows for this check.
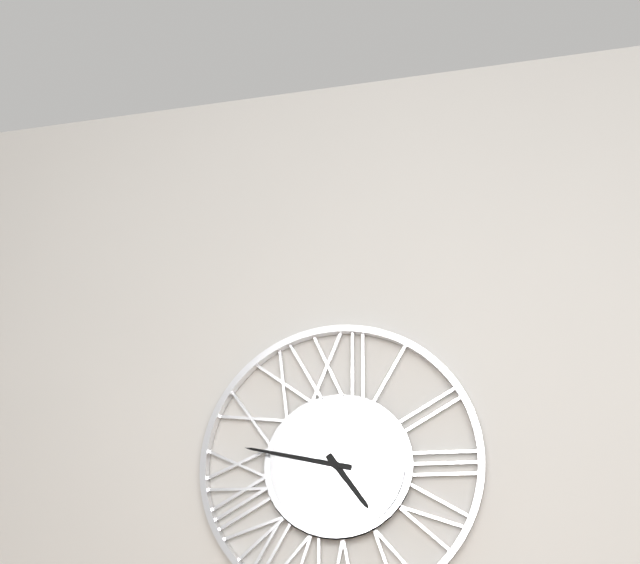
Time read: 4.47
